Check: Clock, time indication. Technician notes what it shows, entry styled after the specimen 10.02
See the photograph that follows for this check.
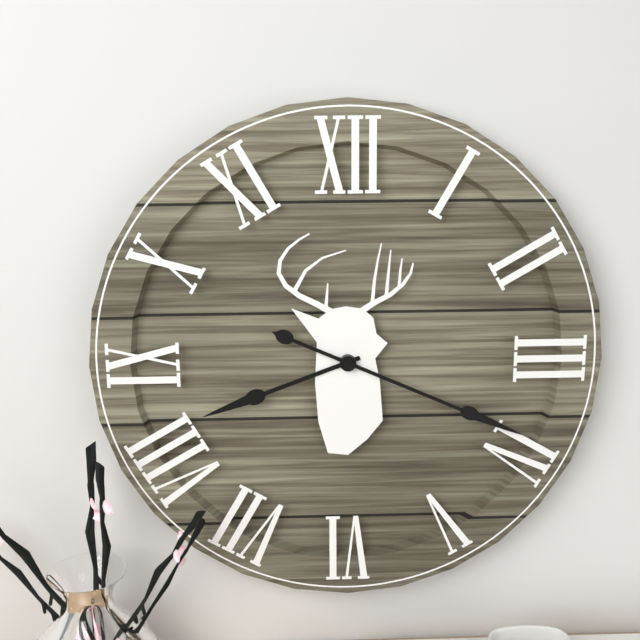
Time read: 8.19
